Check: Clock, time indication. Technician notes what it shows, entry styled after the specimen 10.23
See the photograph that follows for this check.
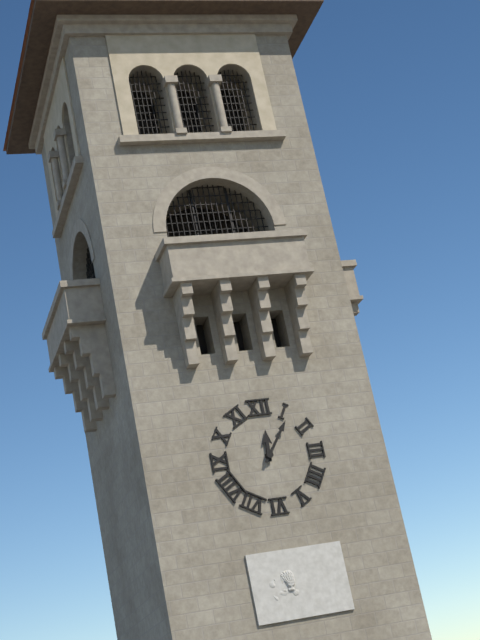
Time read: 12.06
